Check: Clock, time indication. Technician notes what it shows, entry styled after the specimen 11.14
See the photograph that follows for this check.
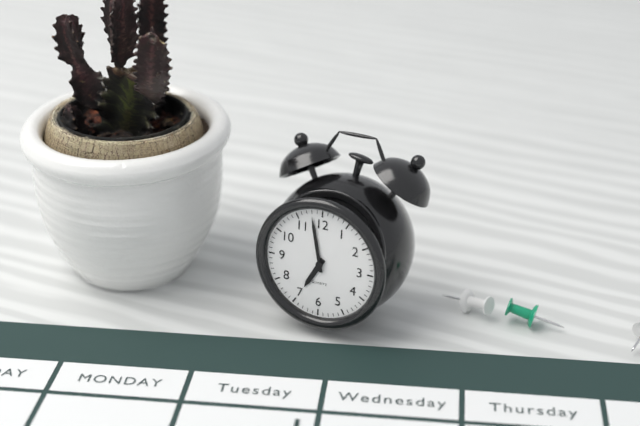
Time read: 6.58
